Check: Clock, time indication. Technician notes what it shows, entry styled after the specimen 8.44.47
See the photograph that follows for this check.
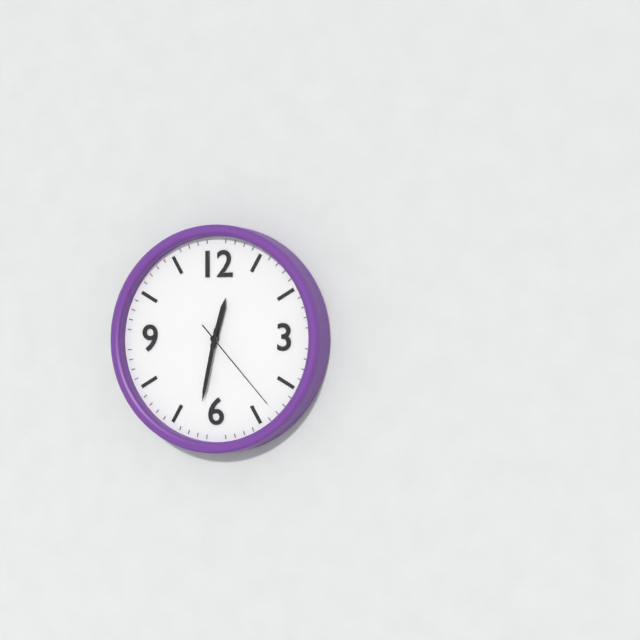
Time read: 12.32.23
